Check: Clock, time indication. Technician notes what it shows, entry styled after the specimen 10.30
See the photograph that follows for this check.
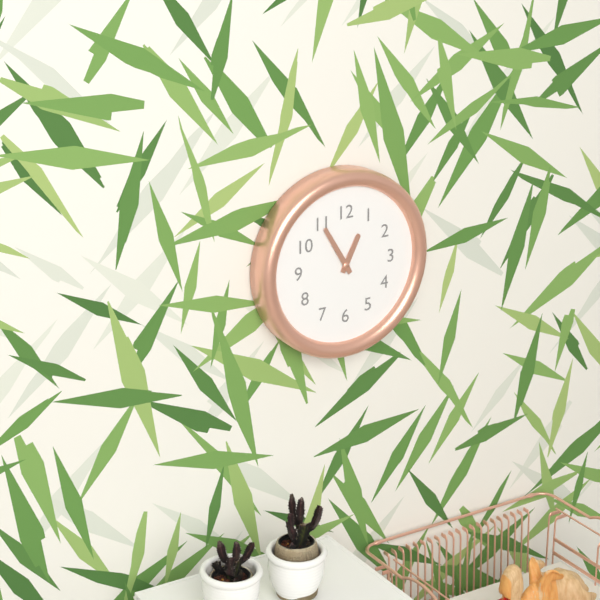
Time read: 12.55
